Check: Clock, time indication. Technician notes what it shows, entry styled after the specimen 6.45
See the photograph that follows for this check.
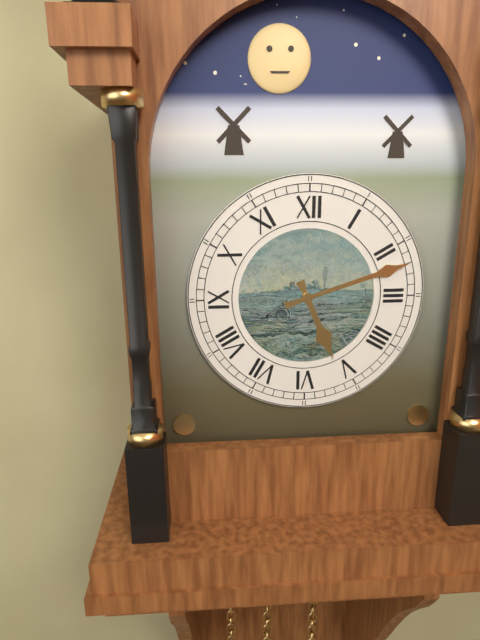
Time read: 5.12
